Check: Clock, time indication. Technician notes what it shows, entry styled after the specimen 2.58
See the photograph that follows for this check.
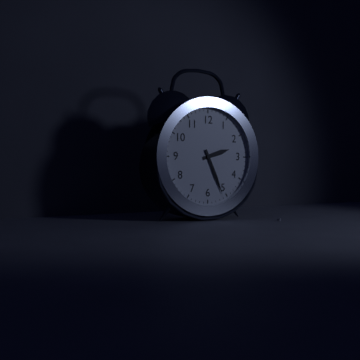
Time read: 2.26
